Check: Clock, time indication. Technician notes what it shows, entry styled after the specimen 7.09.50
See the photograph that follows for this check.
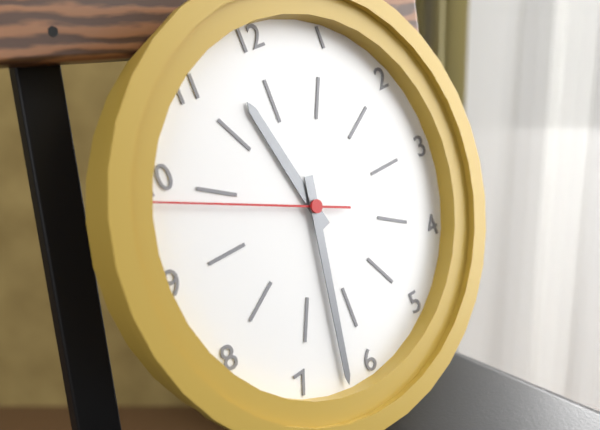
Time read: 11.32.49
